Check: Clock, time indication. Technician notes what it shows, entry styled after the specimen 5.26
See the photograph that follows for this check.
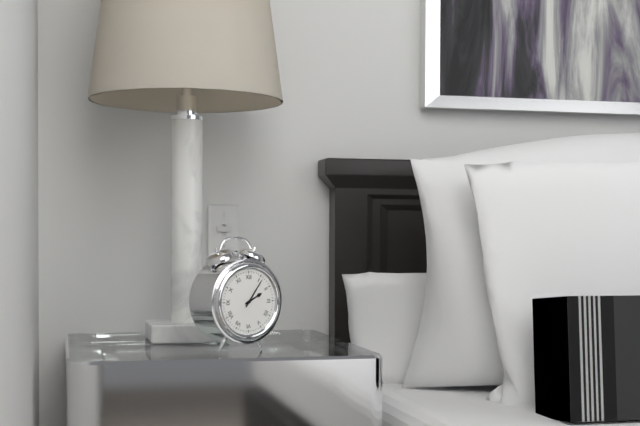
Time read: 2.06
